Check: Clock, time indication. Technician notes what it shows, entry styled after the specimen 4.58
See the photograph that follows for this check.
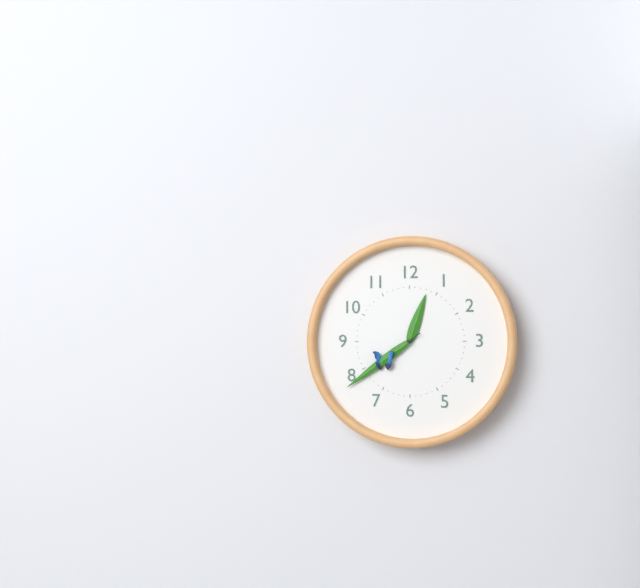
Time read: 12.39
